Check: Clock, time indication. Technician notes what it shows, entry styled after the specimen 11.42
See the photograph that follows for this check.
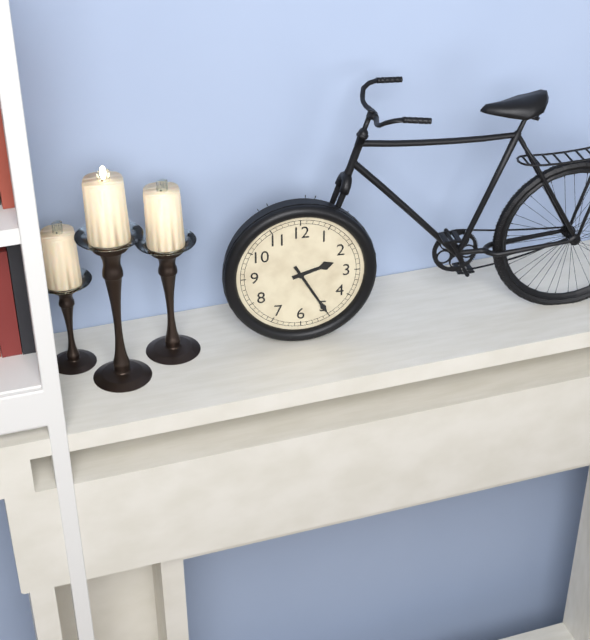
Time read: 2.25
